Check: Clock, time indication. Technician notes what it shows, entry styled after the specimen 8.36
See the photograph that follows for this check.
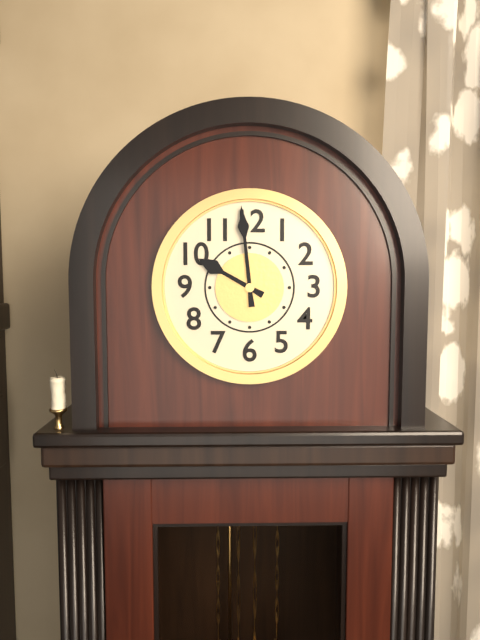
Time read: 9.59
